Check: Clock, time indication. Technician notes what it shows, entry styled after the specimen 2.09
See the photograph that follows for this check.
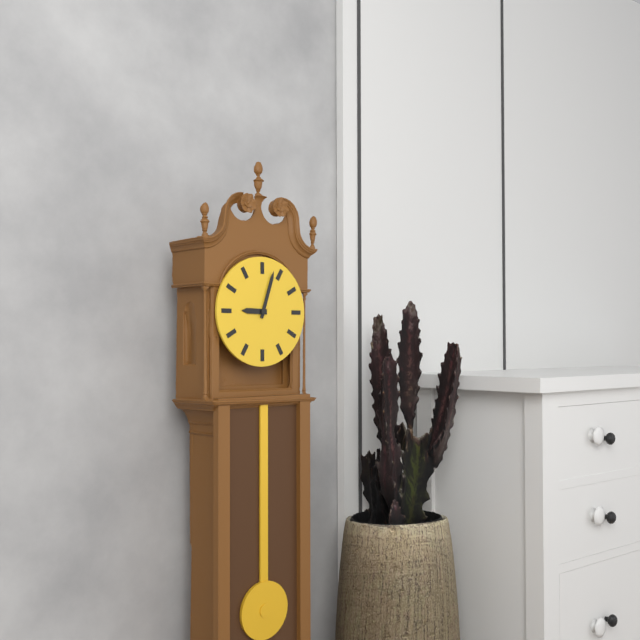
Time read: 9.03
